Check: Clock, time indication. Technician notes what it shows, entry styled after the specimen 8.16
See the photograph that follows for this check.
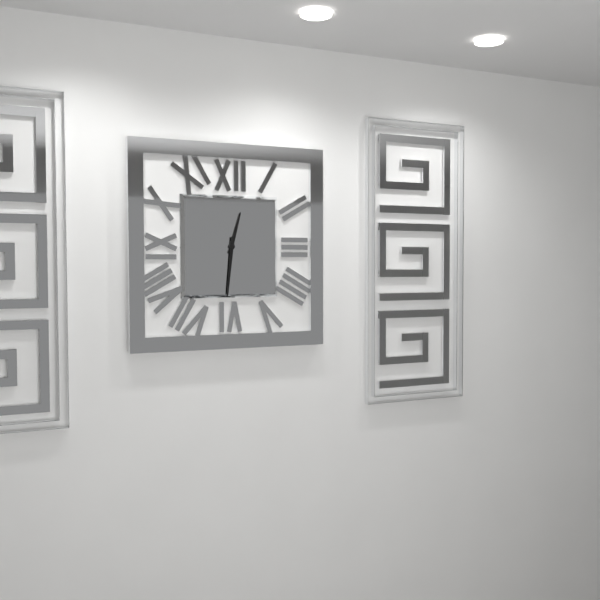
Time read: 12.31
